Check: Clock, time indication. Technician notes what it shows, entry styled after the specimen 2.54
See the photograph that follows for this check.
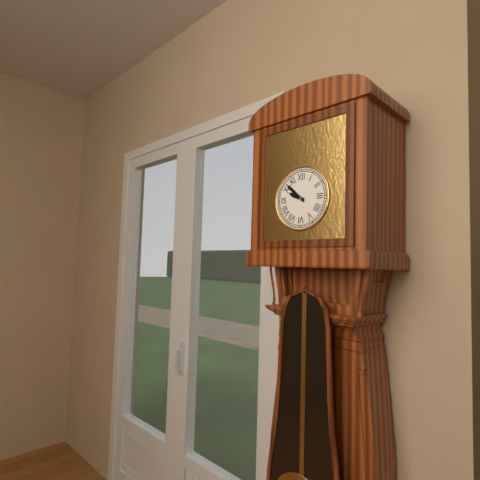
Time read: 9.52
